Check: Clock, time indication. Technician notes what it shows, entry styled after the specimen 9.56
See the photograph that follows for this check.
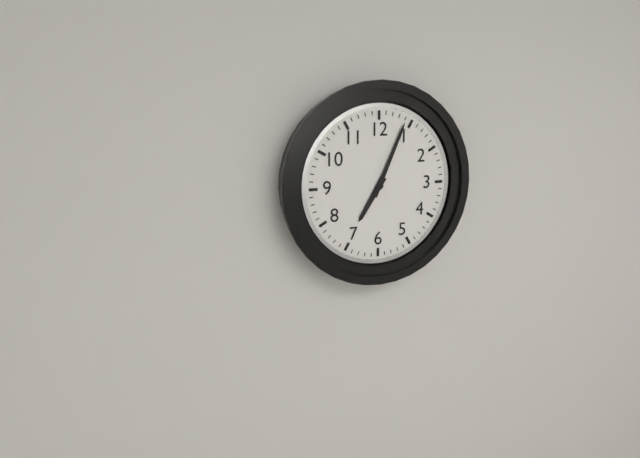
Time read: 7.04
